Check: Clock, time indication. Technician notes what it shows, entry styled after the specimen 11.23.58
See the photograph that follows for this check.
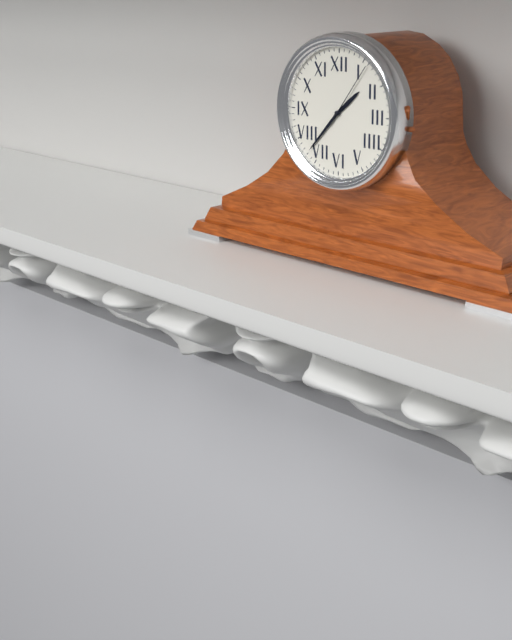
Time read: 1.37.06
